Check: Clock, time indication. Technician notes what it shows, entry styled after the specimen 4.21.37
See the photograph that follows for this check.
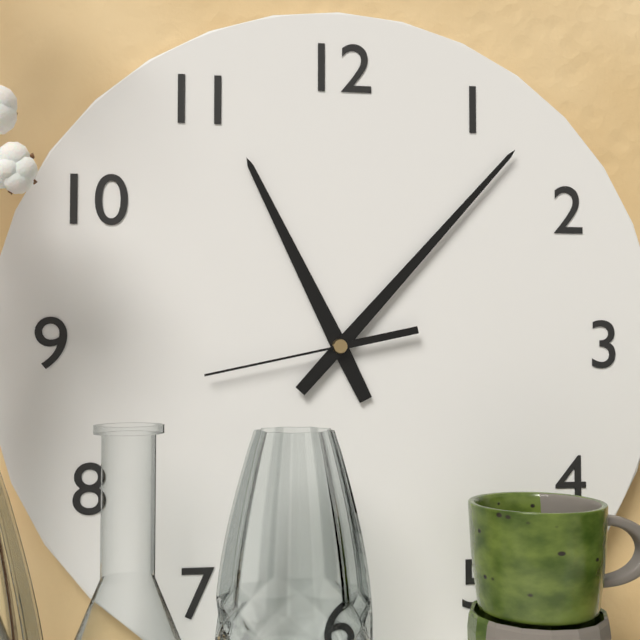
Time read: 11.07.43
